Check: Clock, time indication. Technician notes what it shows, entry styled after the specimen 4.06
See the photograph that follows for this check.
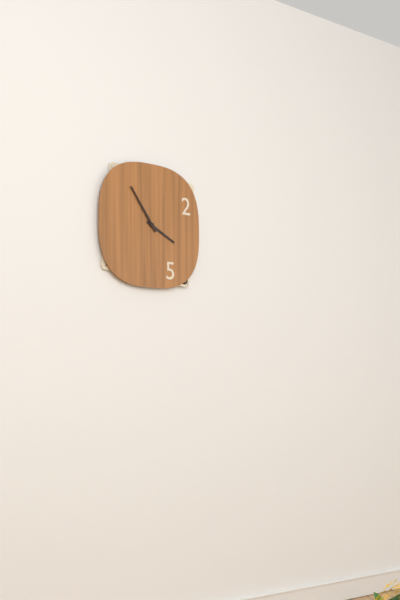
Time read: 3.54
